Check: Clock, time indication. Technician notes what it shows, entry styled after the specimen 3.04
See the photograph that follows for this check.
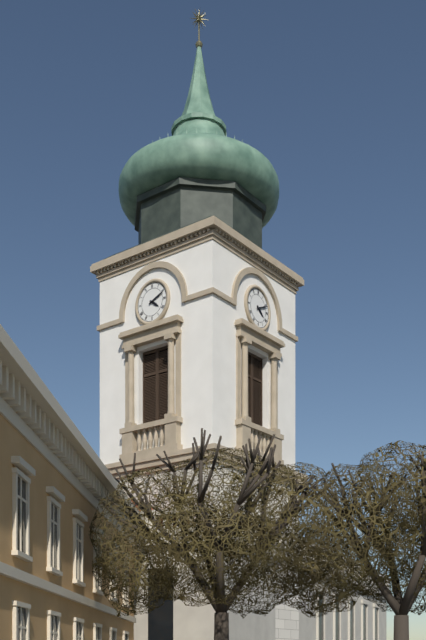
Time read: 4.11
